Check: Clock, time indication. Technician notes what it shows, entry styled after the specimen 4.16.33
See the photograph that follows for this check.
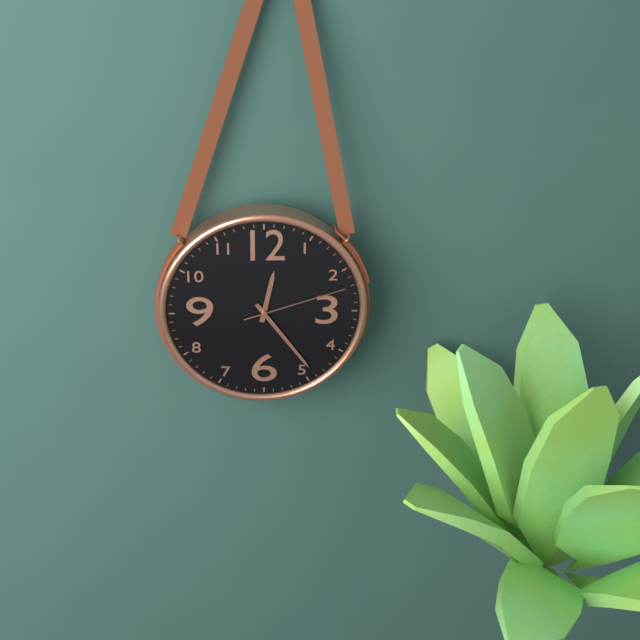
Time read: 12.24.12
